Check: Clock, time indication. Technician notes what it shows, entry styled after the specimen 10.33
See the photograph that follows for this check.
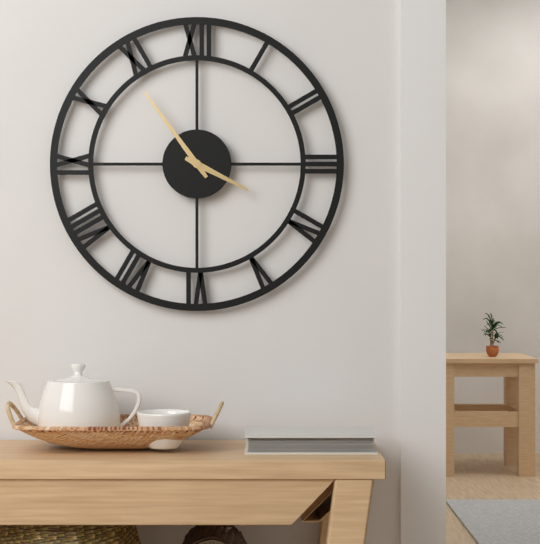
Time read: 3.54
